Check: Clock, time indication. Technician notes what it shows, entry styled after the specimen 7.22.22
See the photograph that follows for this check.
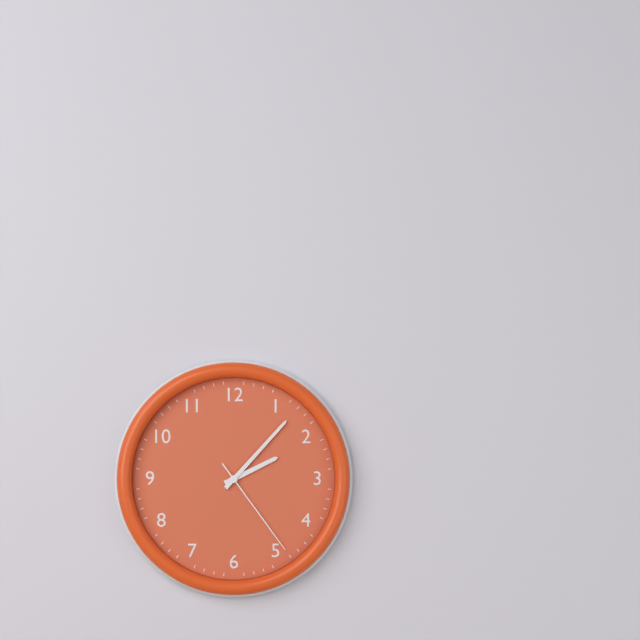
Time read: 2.07.24
